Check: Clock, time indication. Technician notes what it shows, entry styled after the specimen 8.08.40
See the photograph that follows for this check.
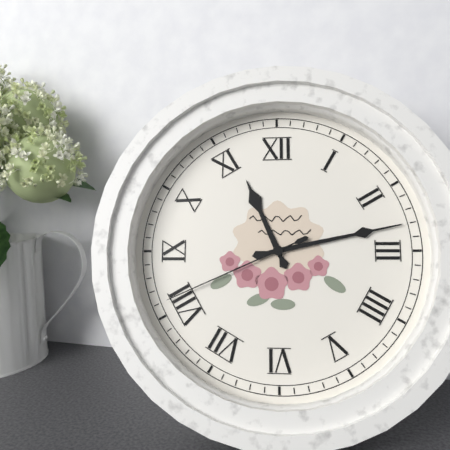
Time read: 11.13.41
